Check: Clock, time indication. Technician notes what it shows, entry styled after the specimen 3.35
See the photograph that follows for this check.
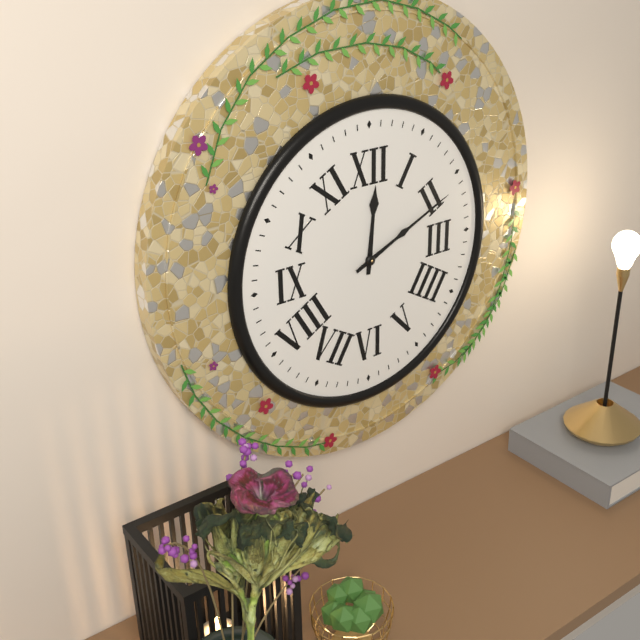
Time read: 12.11
